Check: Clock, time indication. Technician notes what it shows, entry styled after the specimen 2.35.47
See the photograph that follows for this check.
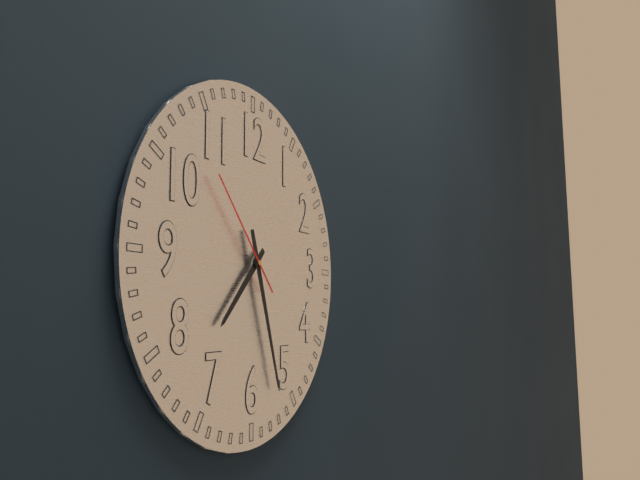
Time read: 7.27.53
